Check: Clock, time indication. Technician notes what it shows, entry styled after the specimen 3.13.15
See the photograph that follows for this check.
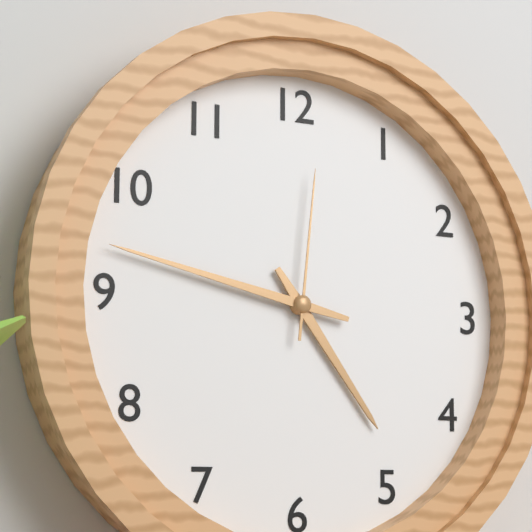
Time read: 4.47.01
